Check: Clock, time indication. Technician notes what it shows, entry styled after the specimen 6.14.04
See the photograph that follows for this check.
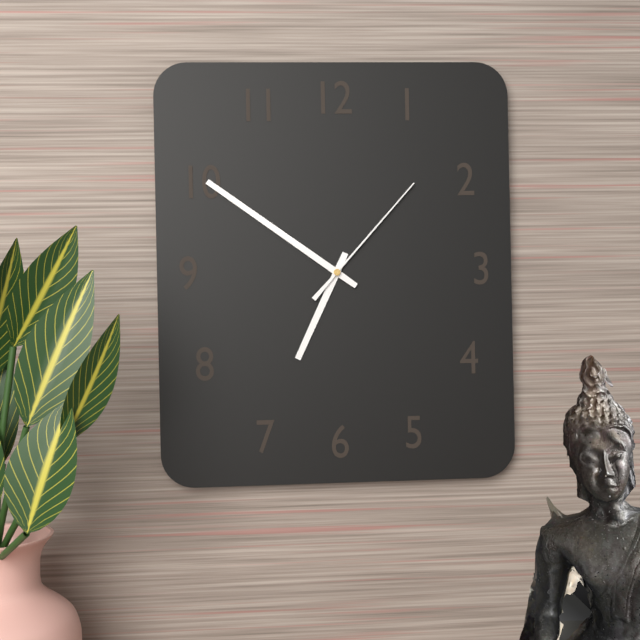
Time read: 6.51.07
